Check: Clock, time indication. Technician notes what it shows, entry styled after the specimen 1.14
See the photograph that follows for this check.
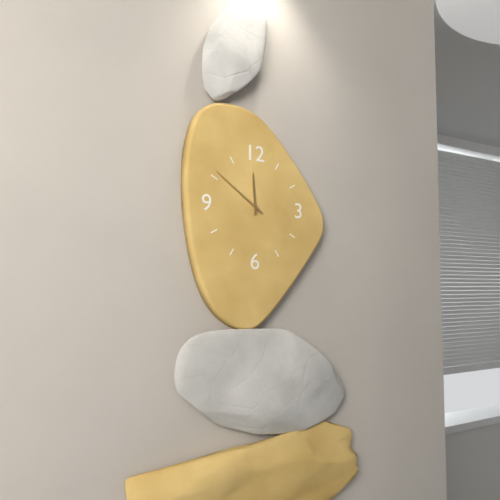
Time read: 11.51
